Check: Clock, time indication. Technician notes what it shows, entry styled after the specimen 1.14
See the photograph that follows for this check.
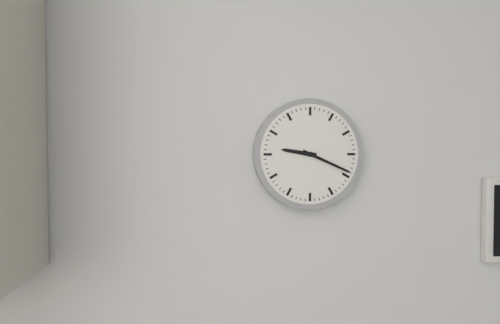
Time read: 9.19
